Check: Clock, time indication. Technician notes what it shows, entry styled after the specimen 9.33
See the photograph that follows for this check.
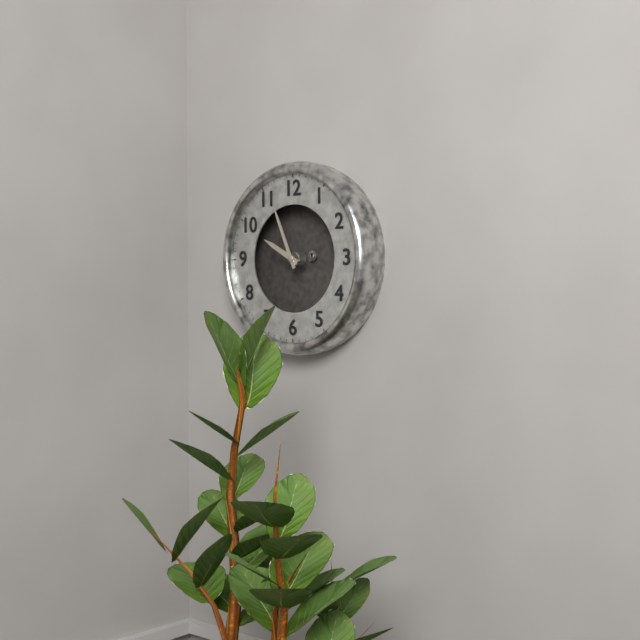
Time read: 9.56
